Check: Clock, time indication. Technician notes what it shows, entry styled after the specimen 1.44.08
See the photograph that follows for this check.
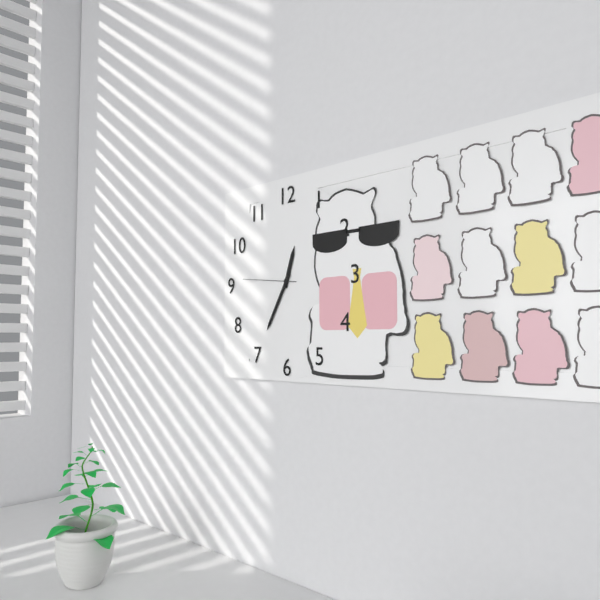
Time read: 12.35.46
